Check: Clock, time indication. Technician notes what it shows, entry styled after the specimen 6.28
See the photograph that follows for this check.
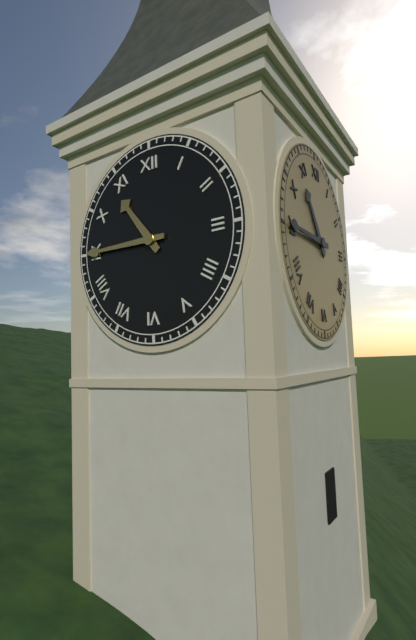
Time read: 10.45
